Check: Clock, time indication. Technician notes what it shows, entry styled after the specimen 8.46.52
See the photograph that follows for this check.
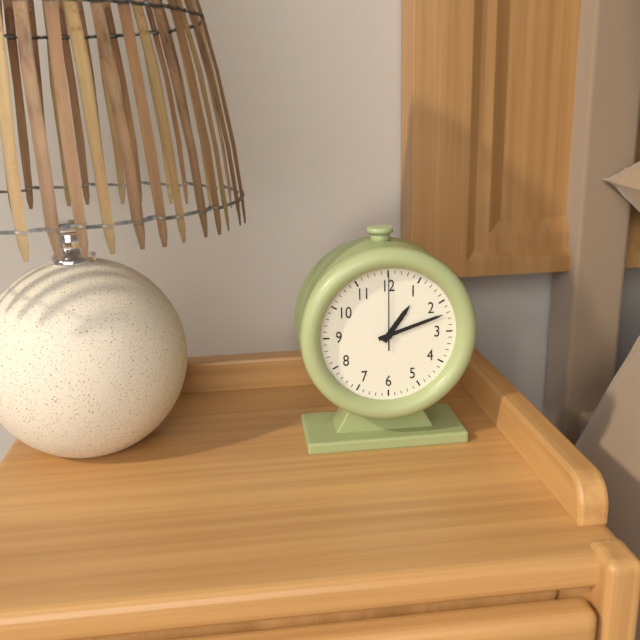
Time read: 1.12.00
